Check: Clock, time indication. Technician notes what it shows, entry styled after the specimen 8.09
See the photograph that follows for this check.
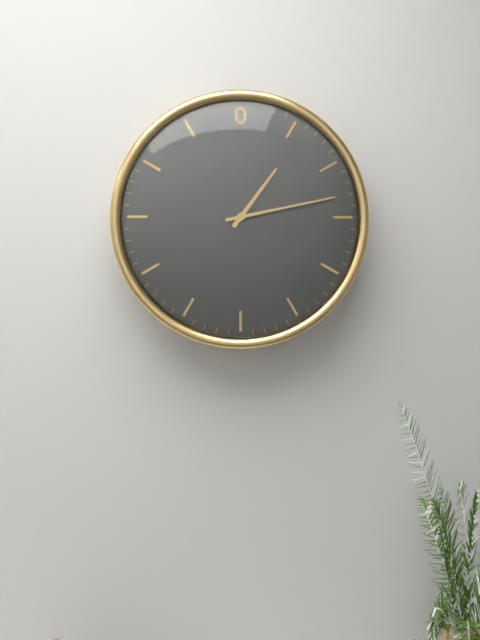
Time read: 1.13
